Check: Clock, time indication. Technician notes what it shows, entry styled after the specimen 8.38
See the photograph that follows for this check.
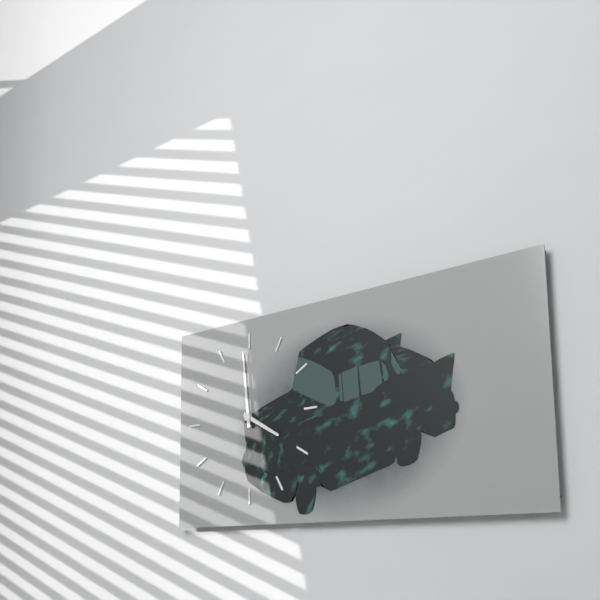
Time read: 3.59
